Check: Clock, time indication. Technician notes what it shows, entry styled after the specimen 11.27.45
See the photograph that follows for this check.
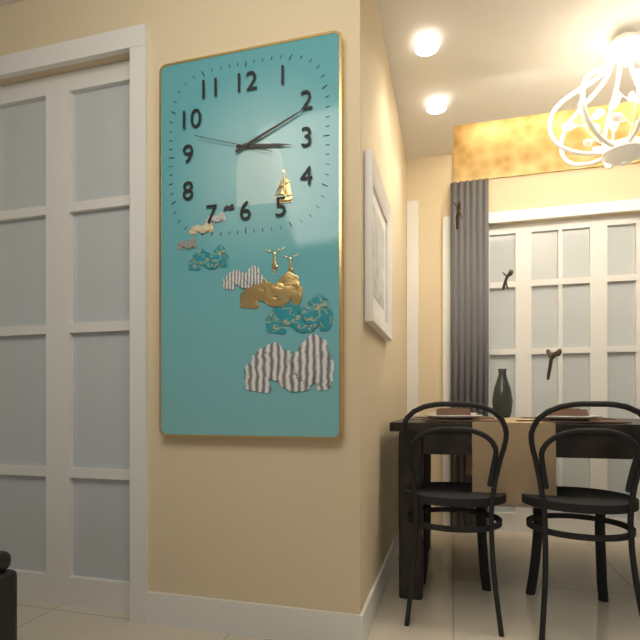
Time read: 3.11.48
